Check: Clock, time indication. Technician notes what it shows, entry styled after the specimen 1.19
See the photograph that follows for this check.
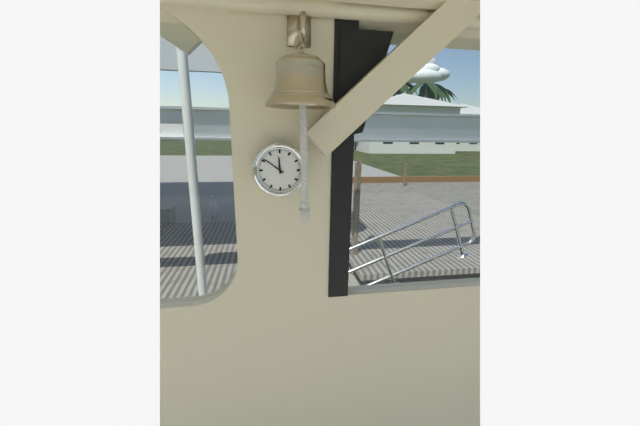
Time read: 11.51
